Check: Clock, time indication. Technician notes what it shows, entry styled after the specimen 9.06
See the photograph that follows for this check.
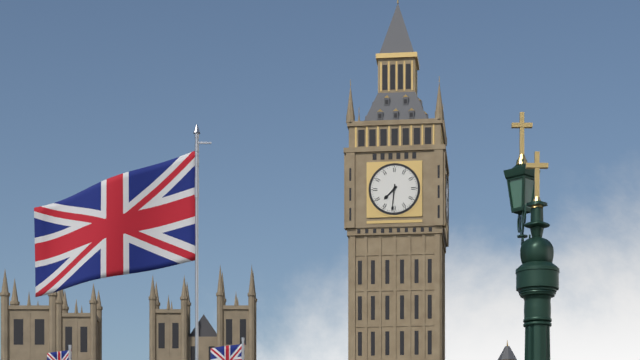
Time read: 7.31
